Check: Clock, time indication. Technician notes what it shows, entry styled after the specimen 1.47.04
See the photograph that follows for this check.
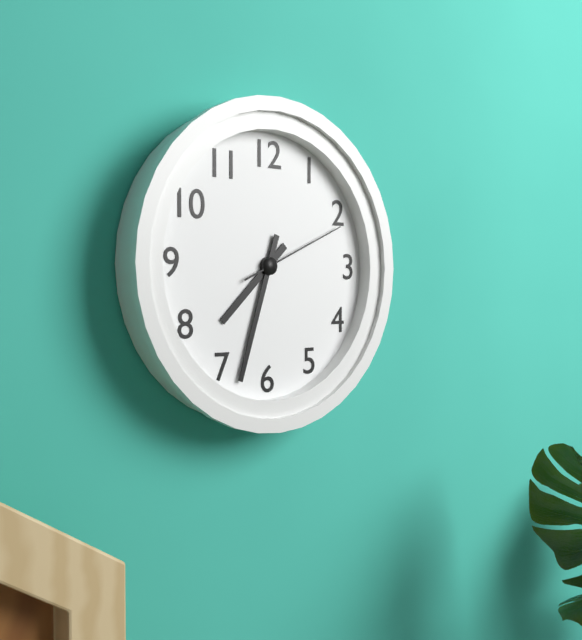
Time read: 7.33.11
